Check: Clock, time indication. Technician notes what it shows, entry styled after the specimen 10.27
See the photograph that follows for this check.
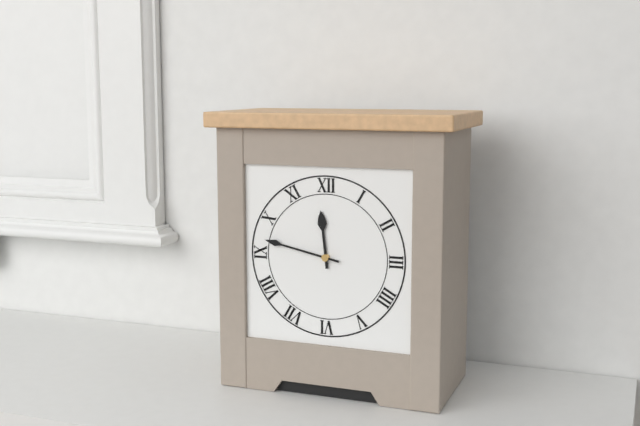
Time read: 11.47
